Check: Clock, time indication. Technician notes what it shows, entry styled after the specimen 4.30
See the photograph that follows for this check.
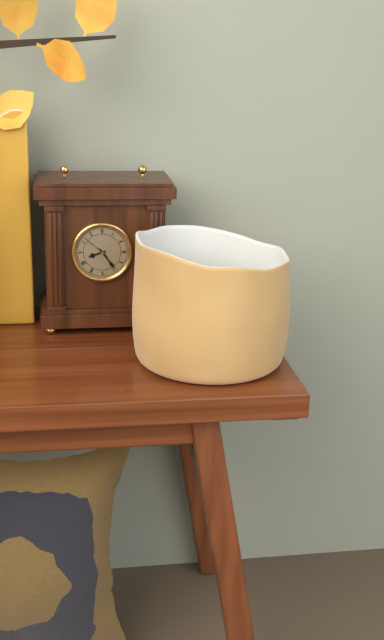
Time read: 8.24
